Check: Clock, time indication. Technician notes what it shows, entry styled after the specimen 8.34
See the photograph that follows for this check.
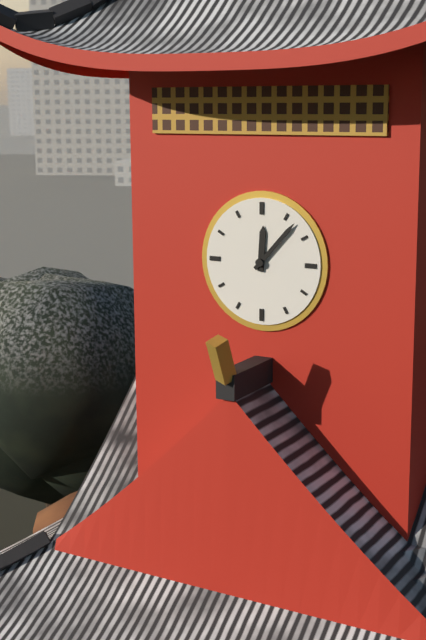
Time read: 12.07
